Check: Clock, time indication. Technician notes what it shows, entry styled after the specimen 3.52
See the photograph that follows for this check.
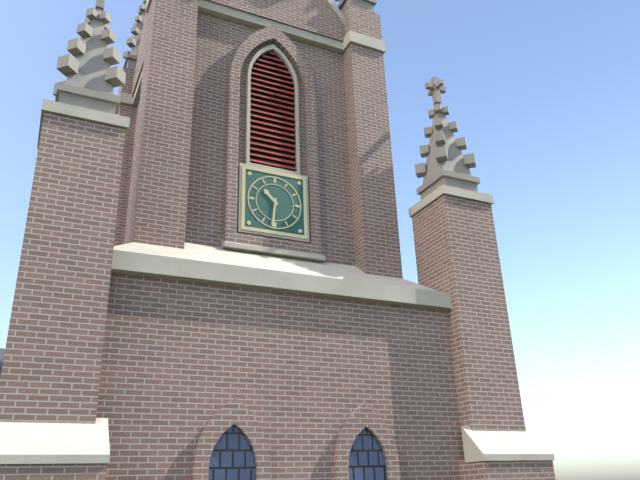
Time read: 10.31
